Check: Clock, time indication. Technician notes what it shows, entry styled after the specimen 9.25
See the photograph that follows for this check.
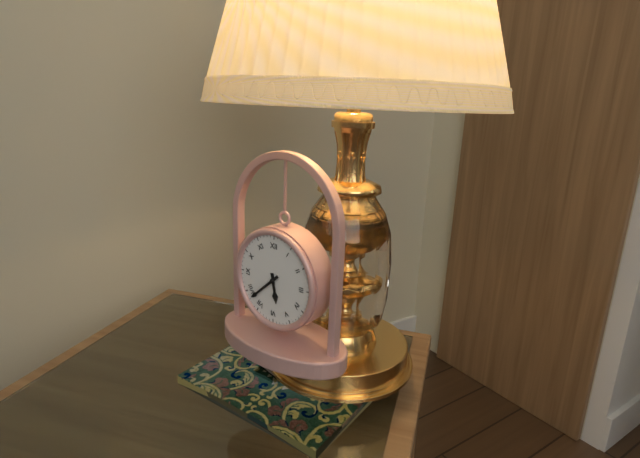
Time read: 5.38
